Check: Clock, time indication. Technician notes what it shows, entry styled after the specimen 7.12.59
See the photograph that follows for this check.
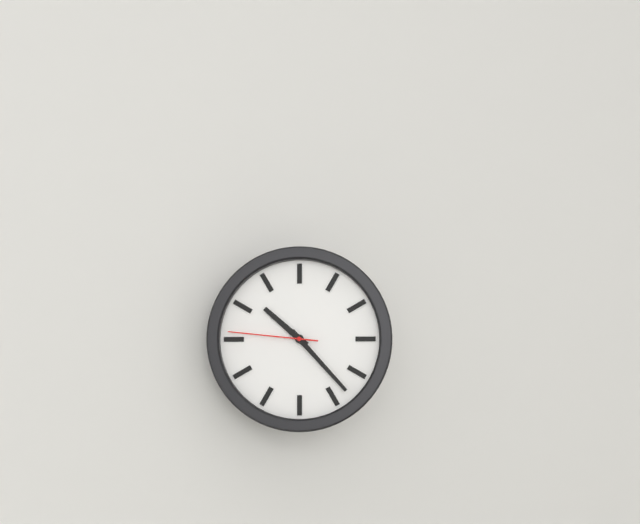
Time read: 10.23.46
